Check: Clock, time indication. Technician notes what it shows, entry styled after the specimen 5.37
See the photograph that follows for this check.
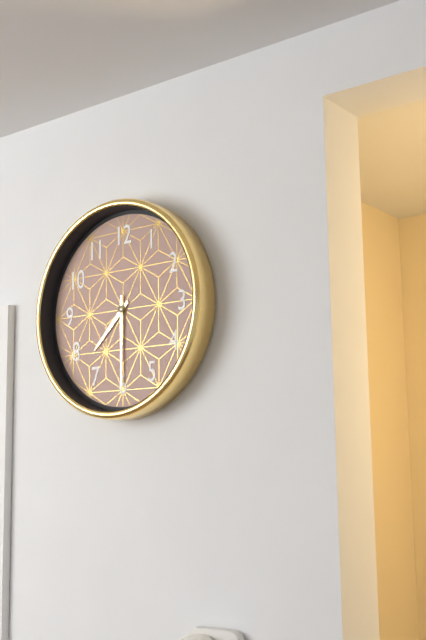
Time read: 7.30
